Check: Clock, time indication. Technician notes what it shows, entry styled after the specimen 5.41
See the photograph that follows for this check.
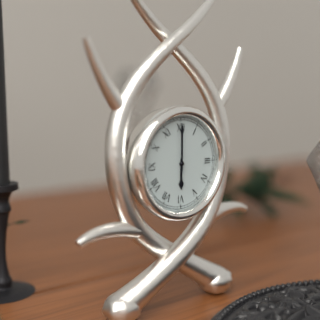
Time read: 6.00
